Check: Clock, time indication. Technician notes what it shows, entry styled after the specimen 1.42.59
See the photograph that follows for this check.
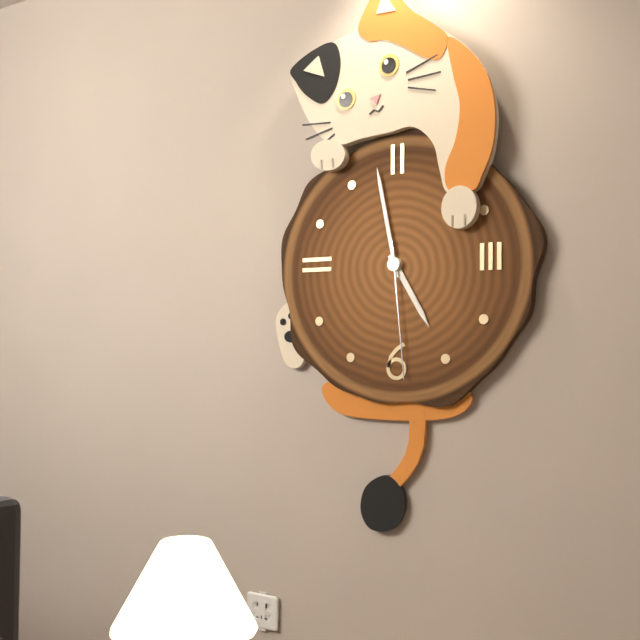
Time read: 4.58.29
